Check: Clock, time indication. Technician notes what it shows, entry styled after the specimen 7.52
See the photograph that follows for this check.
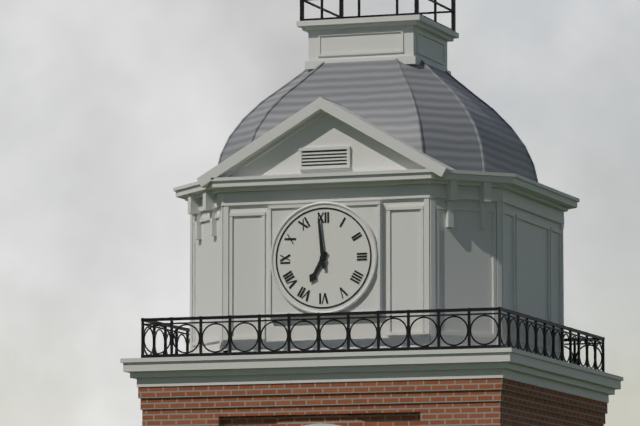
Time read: 6.59
